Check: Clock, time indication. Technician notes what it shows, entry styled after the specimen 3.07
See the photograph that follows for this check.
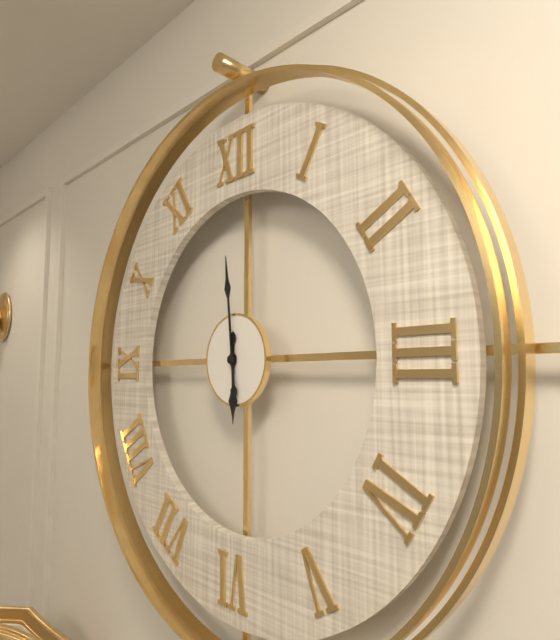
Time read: 5.59
